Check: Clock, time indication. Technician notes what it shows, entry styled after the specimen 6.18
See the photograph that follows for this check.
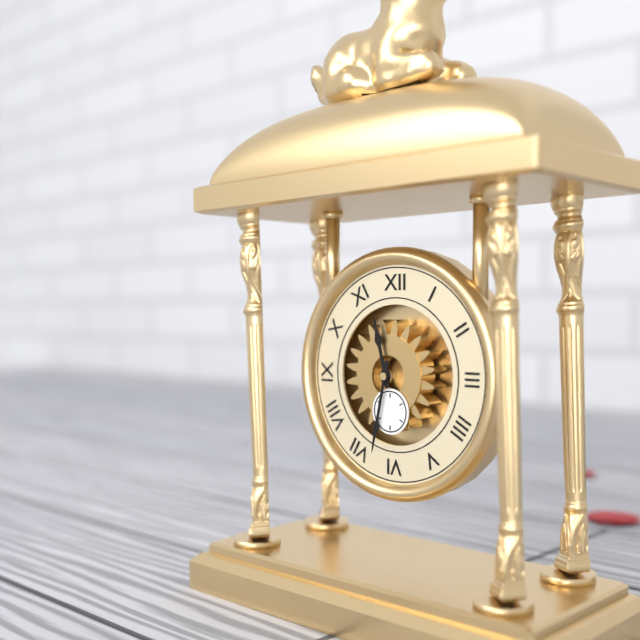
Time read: 11.32
